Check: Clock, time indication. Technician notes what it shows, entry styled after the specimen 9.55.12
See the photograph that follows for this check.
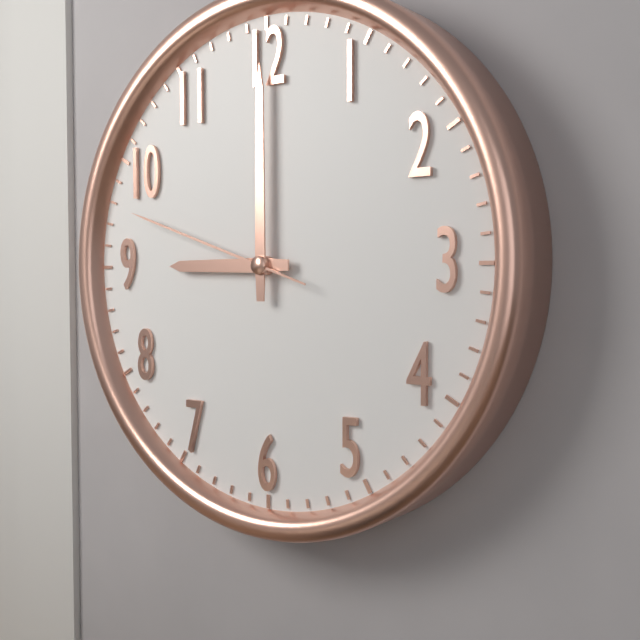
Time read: 9.00.48
